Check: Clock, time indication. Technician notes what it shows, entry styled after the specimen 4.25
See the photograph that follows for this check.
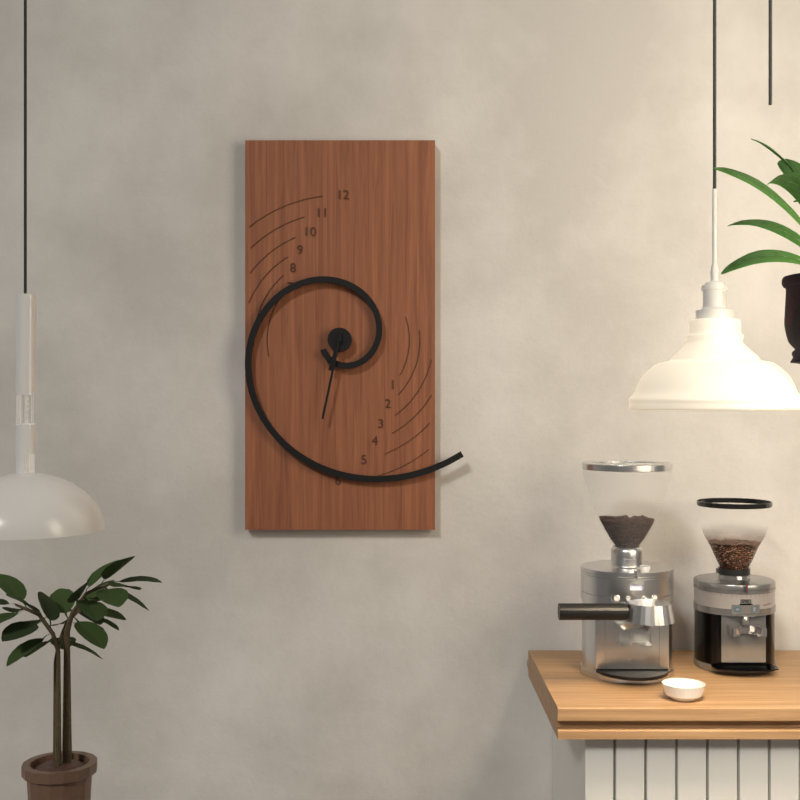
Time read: 6.32
